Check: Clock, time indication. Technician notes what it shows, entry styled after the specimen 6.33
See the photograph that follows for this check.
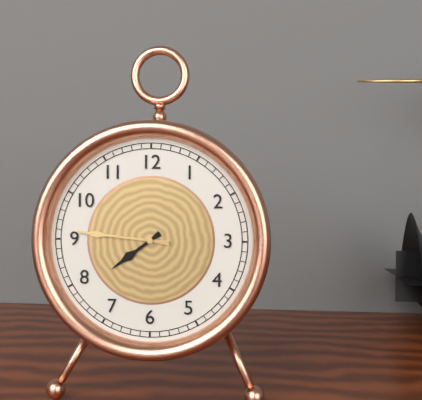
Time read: 7.46
